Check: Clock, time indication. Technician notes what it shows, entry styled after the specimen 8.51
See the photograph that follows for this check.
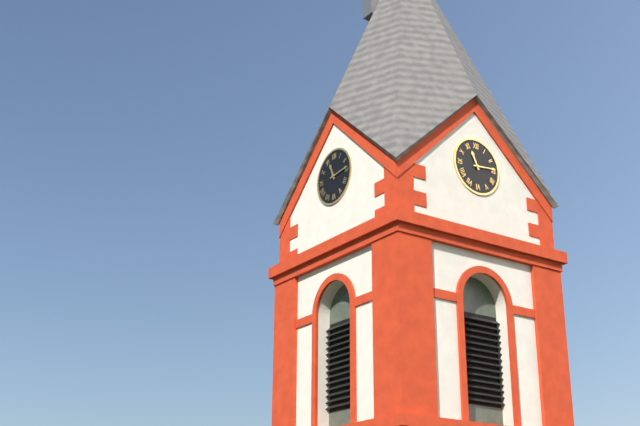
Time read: 11.14
